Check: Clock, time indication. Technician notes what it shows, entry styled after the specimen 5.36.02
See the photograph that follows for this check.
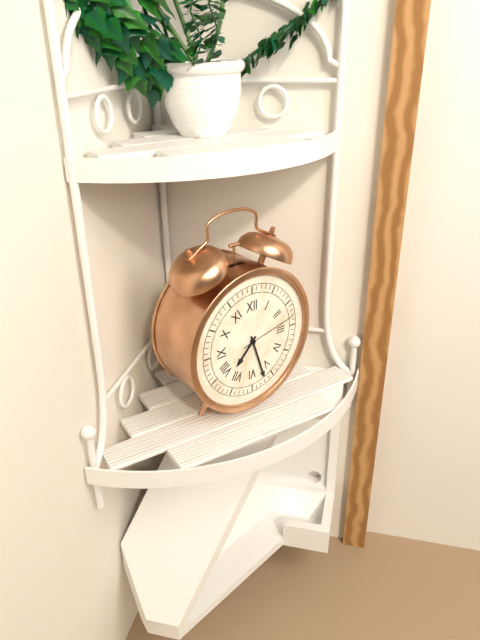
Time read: 7.27.13
